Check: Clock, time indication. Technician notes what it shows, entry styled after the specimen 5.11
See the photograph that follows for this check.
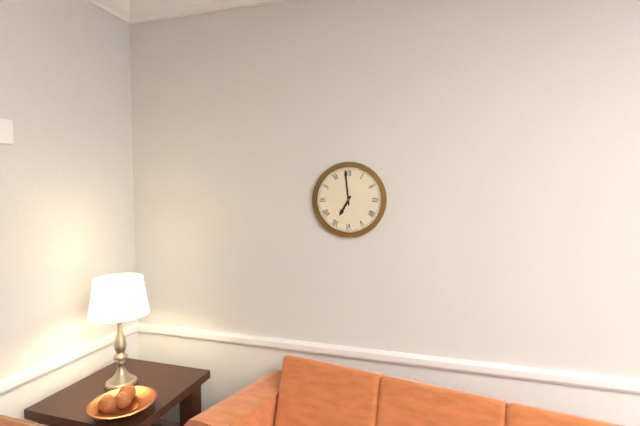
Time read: 6.59
